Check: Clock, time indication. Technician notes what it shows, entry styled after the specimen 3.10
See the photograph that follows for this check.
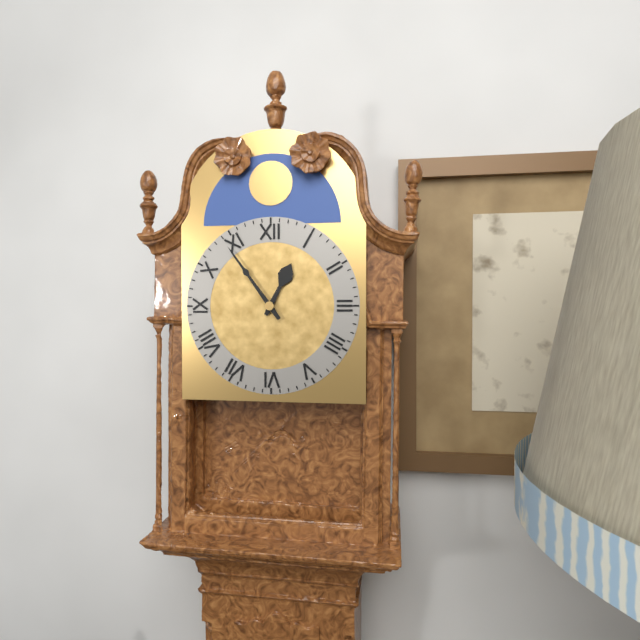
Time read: 12.54
